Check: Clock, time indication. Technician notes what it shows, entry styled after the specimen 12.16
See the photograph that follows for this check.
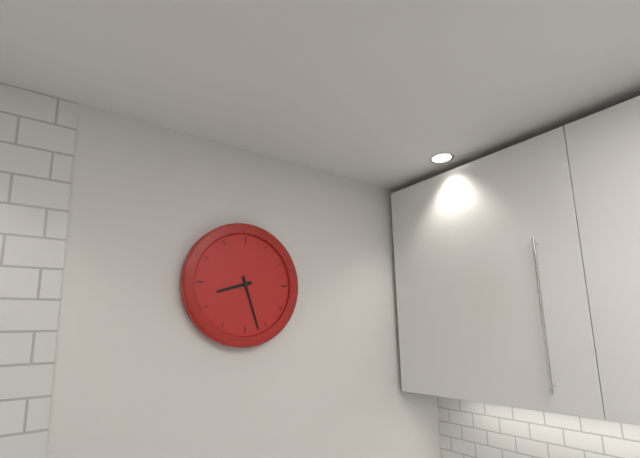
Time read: 8.27
